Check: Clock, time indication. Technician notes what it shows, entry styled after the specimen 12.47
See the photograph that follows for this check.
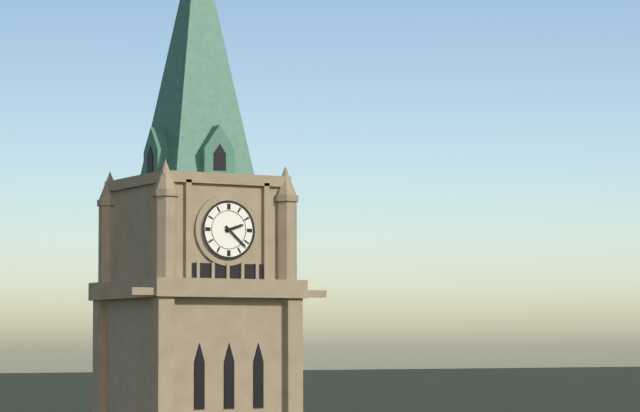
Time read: 2.22
